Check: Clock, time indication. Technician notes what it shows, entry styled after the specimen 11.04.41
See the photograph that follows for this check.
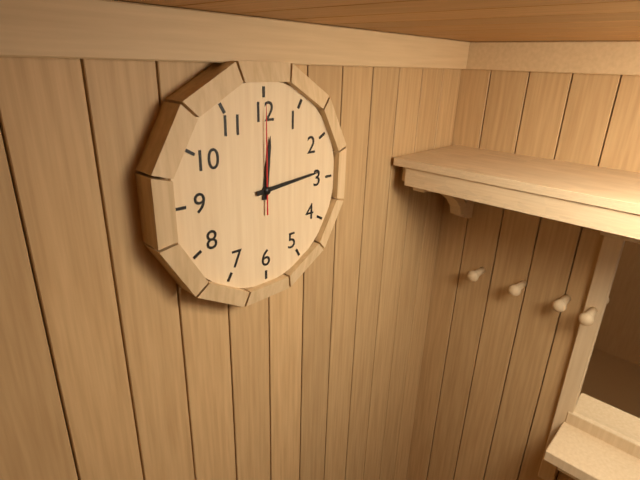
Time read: 12.14.00
